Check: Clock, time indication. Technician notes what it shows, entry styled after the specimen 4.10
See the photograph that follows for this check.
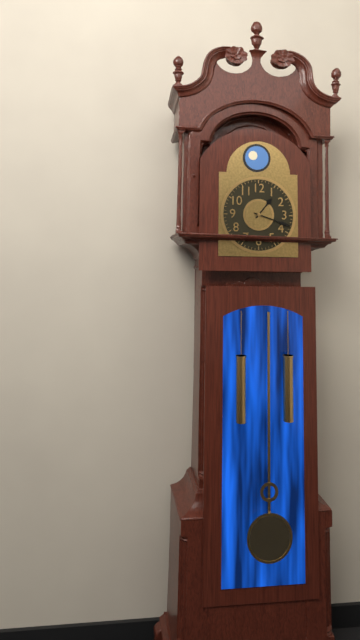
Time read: 1.18
